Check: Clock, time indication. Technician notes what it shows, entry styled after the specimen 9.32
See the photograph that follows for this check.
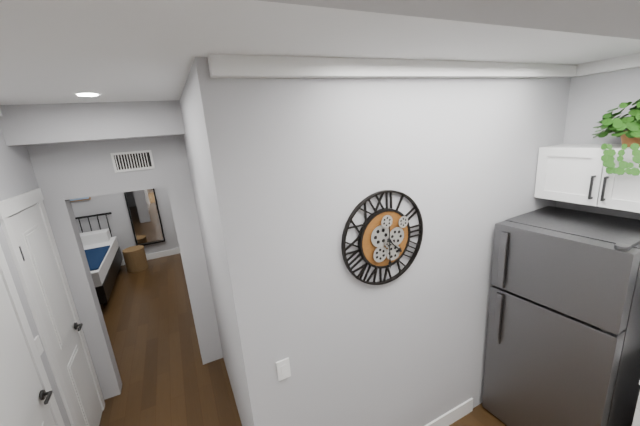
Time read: 4.30
